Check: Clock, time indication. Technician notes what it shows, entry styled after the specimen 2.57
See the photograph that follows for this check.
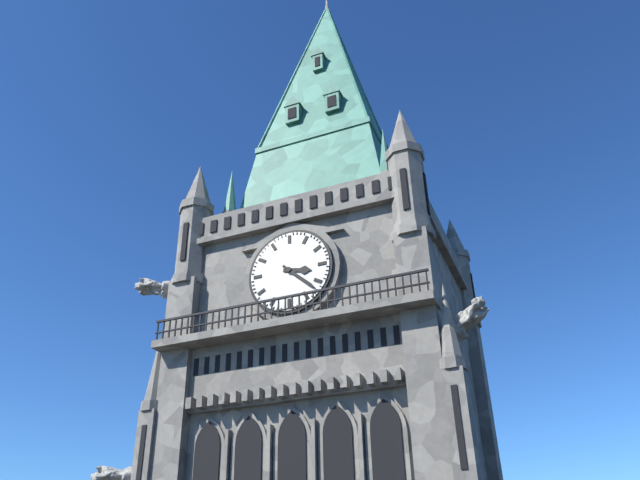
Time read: 3.22
